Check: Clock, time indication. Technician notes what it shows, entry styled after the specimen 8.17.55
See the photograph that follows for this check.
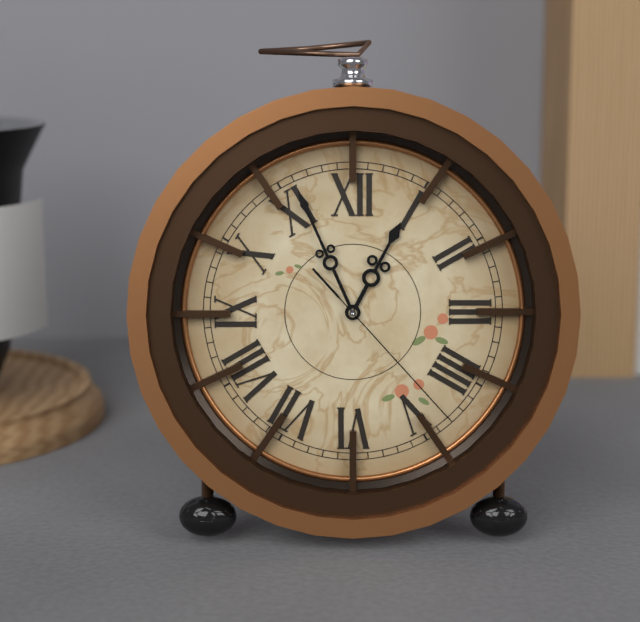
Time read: 12.56.23
